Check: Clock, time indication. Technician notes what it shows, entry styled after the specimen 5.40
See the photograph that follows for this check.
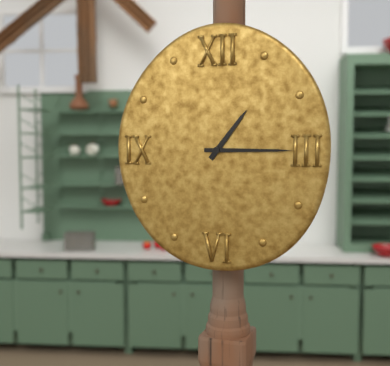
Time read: 1.15
